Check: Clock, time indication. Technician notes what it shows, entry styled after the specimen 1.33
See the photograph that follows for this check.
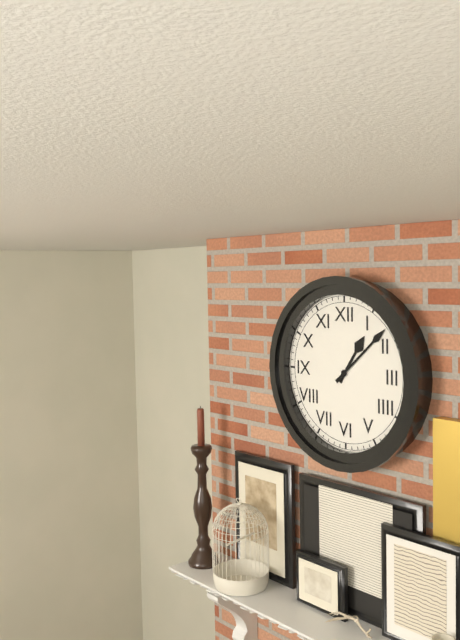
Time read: 1.08
